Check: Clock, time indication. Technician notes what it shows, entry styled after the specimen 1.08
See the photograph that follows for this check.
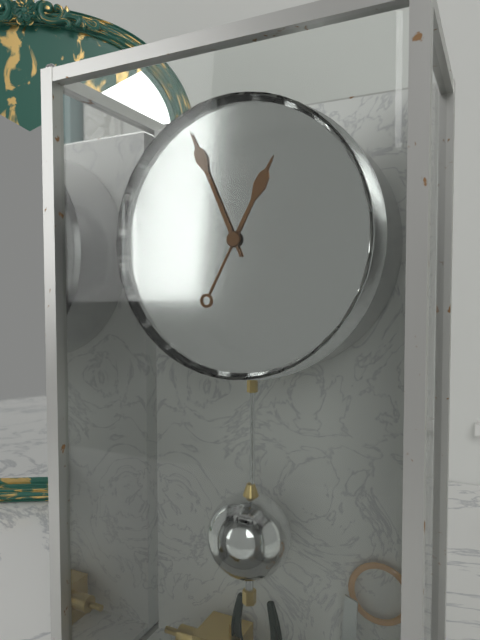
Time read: 12.56
